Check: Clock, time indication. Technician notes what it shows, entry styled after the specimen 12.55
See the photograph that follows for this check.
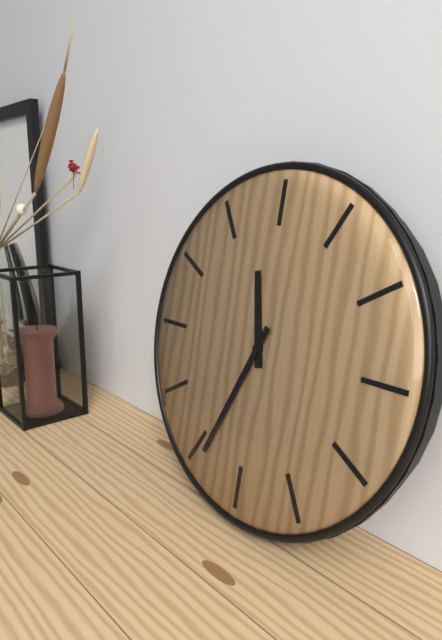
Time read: 11.34
